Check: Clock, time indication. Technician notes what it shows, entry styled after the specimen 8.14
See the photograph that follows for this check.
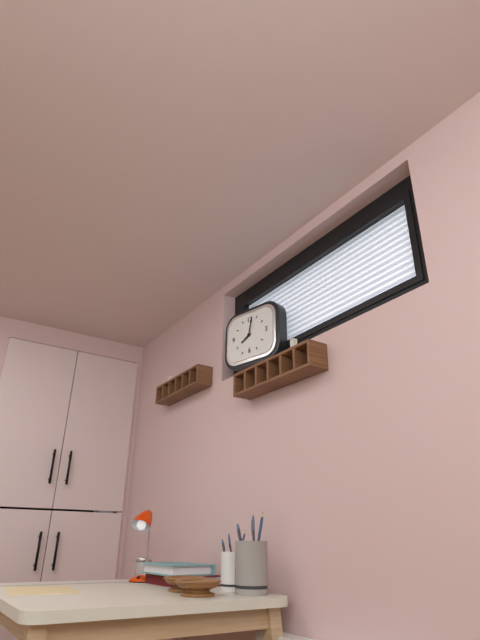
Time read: 8.02
